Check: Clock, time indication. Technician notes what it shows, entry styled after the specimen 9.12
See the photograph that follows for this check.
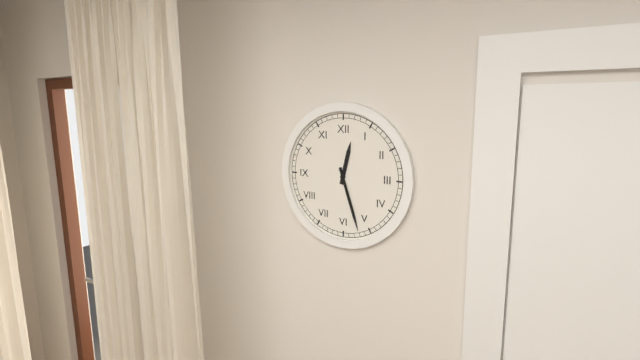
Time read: 12.27
